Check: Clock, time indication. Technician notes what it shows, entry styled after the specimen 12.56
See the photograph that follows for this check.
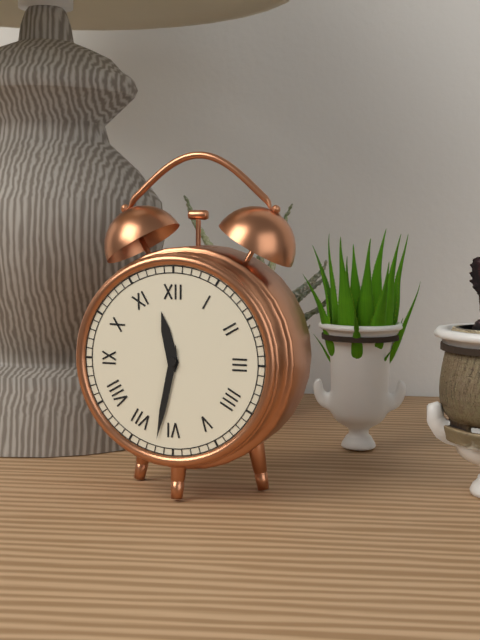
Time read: 11.32
